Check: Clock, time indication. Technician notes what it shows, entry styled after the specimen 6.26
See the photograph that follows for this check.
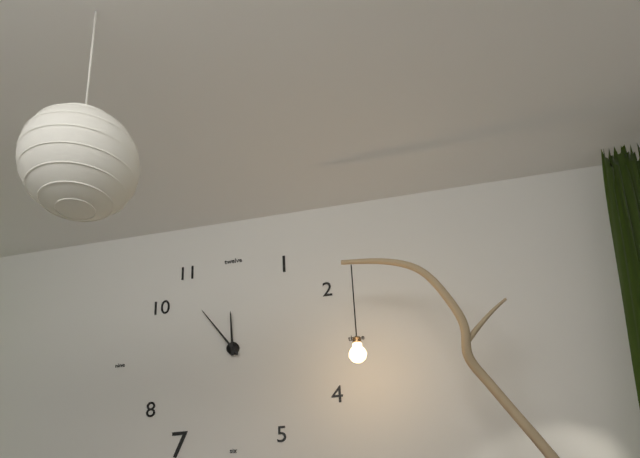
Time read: 11.54
